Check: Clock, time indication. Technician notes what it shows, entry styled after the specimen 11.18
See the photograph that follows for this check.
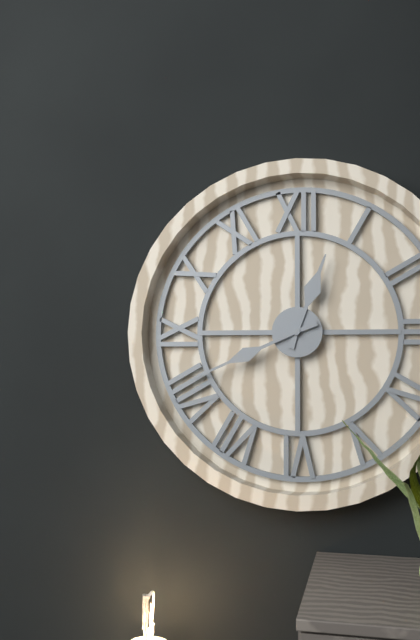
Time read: 12.41
